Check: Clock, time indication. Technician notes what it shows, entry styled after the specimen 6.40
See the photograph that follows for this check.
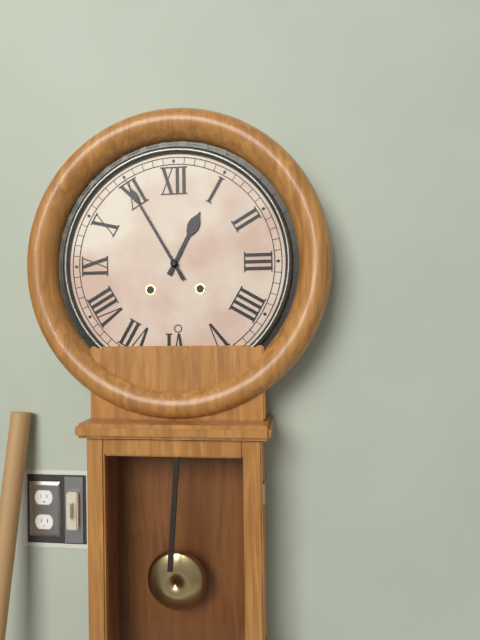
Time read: 12.55
